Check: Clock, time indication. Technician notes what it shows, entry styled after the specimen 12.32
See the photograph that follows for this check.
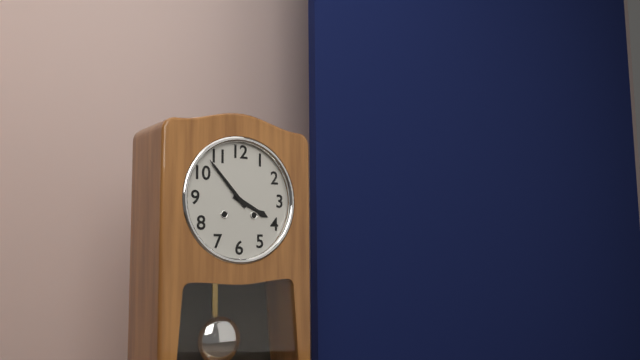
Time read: 3.53
